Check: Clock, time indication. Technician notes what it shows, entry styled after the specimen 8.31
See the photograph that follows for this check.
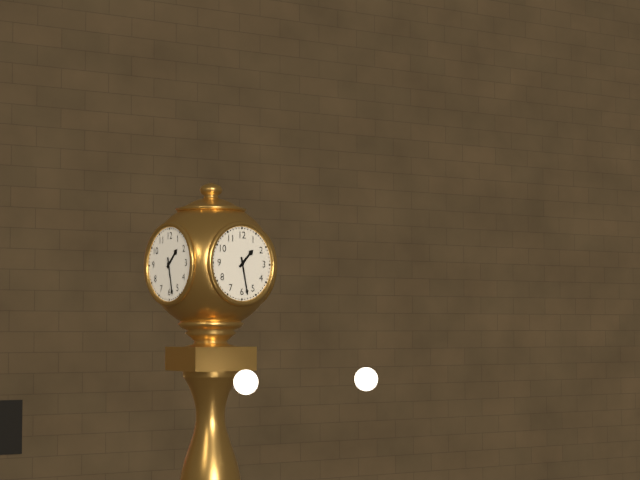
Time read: 1.28
